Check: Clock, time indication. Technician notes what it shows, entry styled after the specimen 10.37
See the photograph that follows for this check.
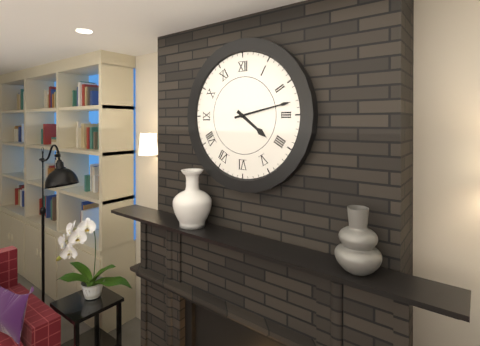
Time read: 4.13
